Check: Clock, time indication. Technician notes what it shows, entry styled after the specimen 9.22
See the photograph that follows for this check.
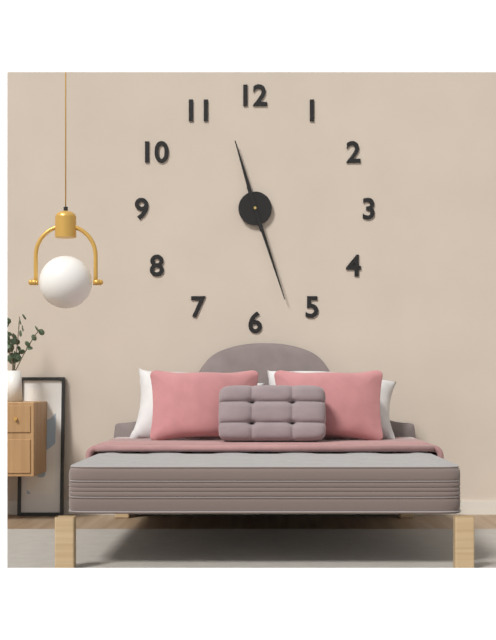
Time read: 11.27
